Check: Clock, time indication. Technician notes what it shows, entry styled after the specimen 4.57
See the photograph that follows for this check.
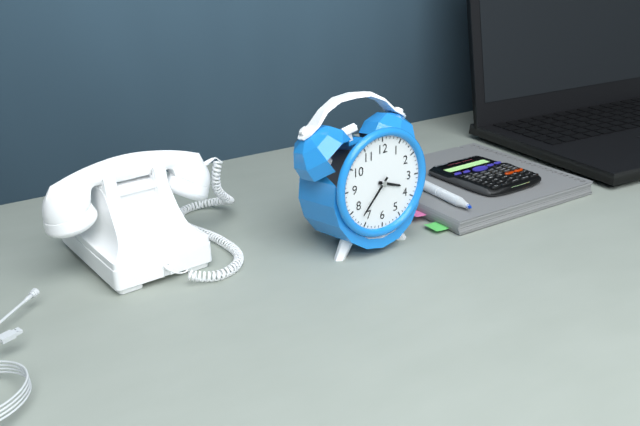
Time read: 3.37
